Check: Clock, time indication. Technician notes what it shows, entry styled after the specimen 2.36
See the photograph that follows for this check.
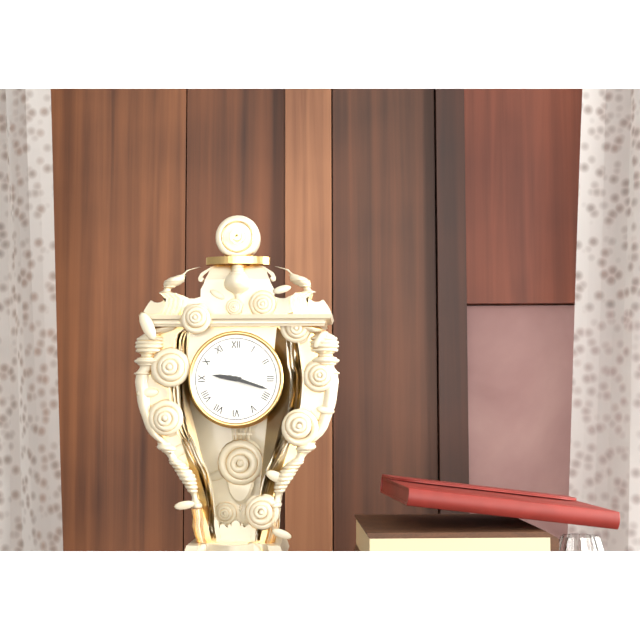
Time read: 9.18
